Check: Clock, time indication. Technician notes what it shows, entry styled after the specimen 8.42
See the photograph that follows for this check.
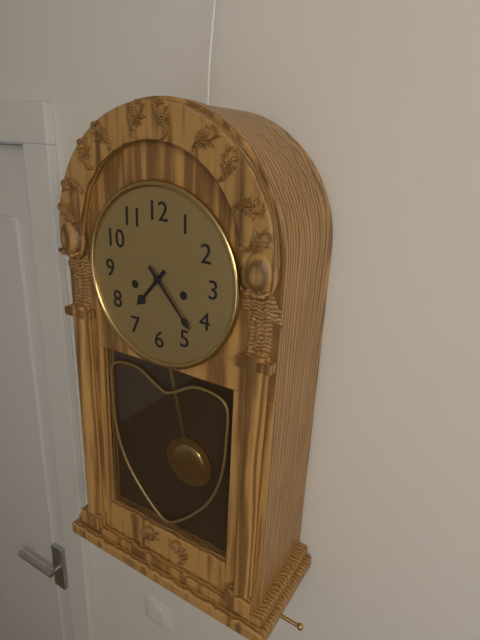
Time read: 7.23
